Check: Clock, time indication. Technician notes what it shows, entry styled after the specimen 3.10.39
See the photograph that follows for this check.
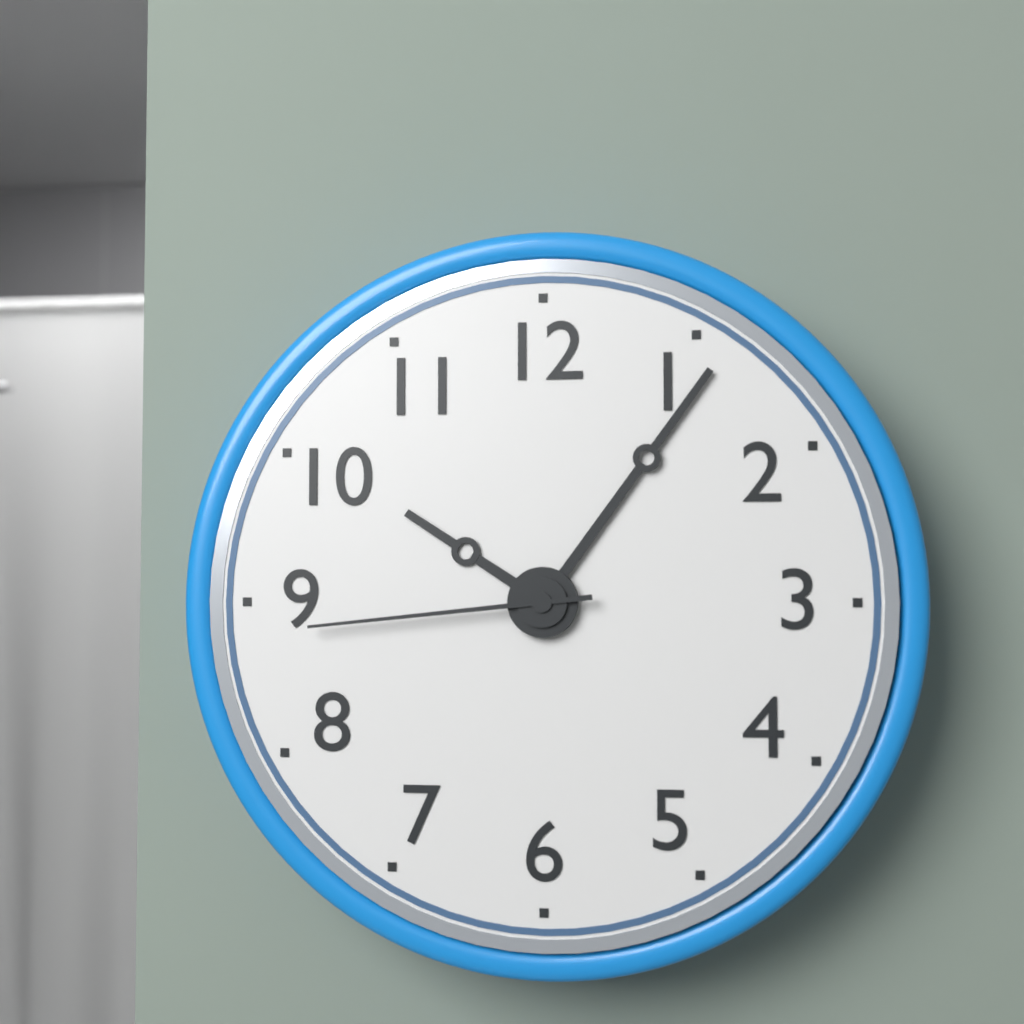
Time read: 10.06.44
